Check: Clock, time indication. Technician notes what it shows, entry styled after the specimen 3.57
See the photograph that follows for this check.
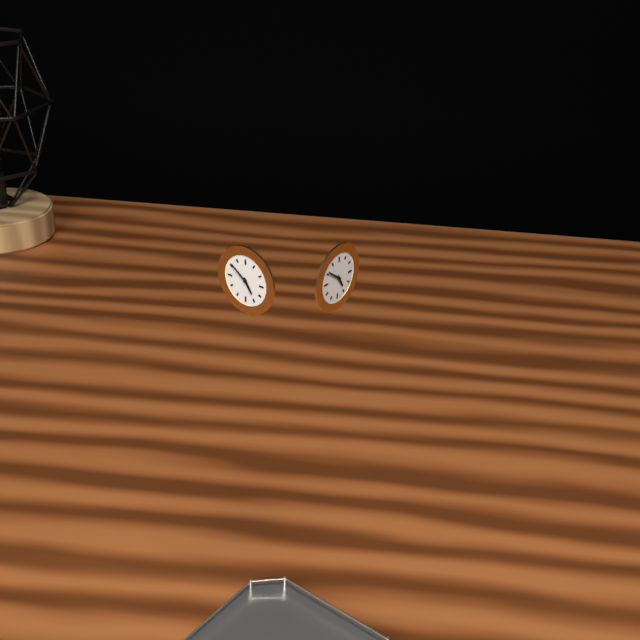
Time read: 4.51
